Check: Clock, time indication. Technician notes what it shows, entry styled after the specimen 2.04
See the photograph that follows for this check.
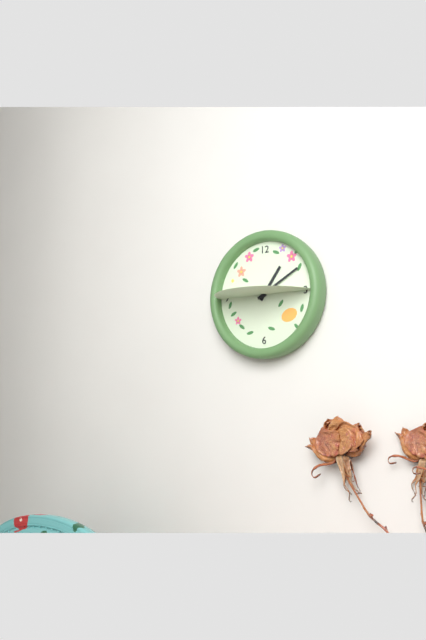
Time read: 1.10
